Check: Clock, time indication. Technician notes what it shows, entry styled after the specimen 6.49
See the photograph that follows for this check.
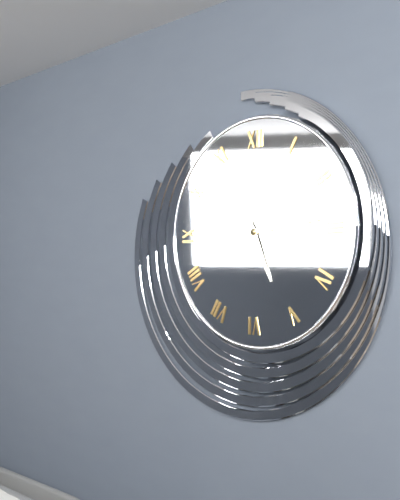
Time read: 5.14
